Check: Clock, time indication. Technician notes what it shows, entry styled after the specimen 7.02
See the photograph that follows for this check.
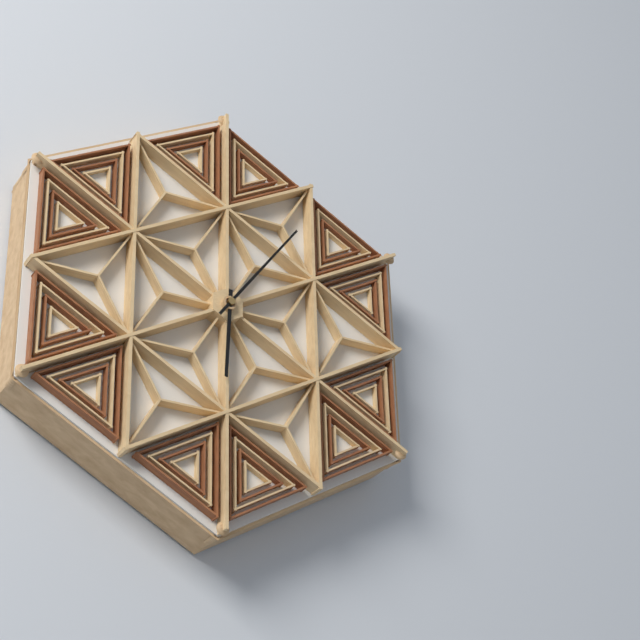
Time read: 6.06
